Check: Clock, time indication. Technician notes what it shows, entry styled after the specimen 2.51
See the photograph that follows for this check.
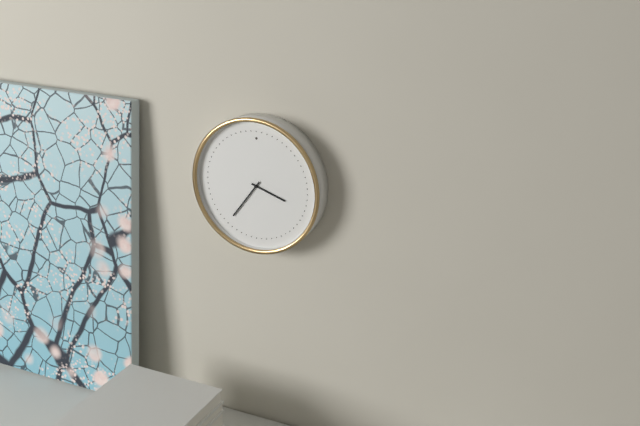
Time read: 3.36
